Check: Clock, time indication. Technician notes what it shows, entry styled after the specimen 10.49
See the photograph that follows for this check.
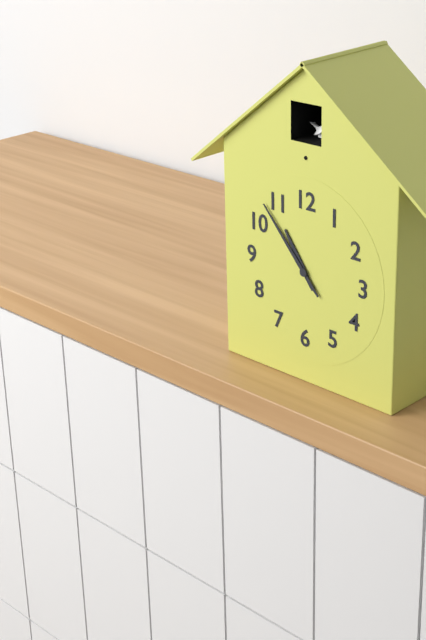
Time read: 10.53
